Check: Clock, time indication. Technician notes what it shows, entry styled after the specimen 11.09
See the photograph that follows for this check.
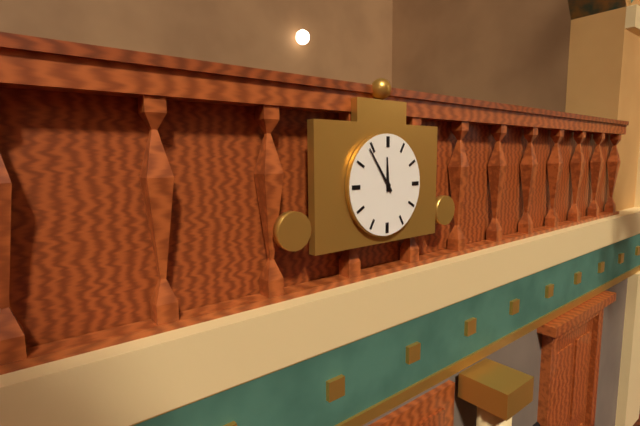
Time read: 11.54
